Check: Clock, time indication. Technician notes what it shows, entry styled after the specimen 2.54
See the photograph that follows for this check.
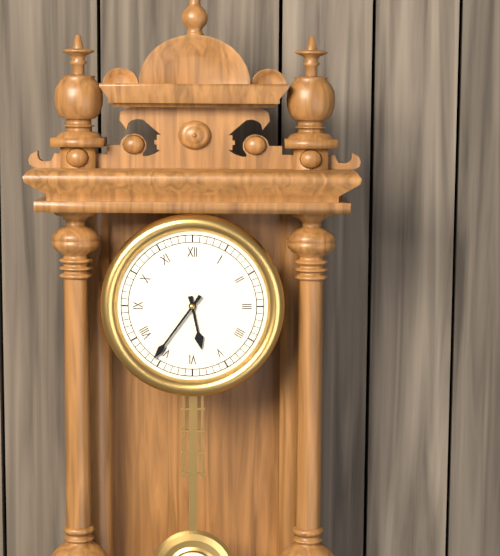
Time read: 5.36
